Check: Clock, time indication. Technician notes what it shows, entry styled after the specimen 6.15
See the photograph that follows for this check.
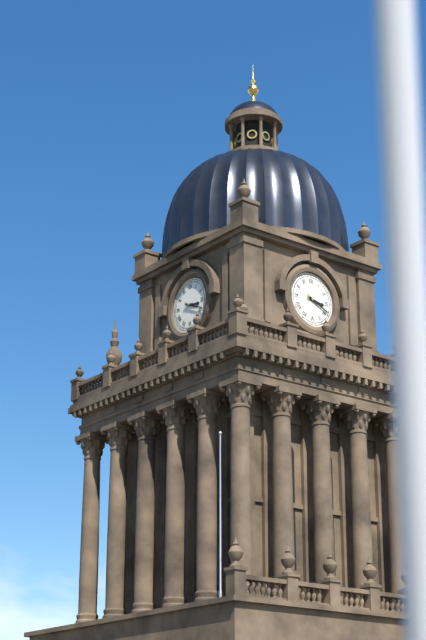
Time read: 3.19
